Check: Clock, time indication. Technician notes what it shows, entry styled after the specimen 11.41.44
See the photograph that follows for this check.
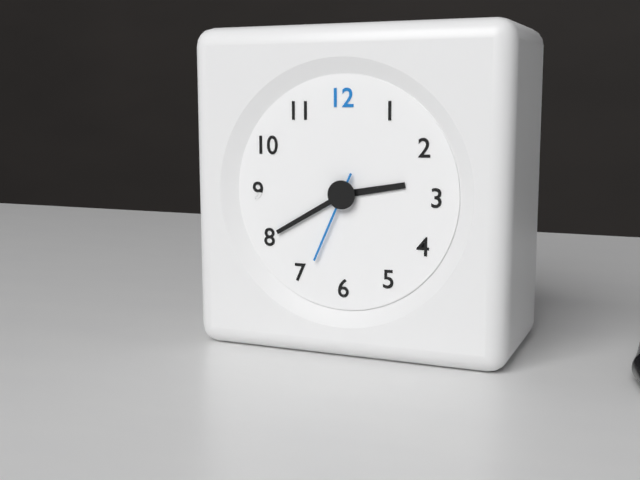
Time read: 2.40.34
